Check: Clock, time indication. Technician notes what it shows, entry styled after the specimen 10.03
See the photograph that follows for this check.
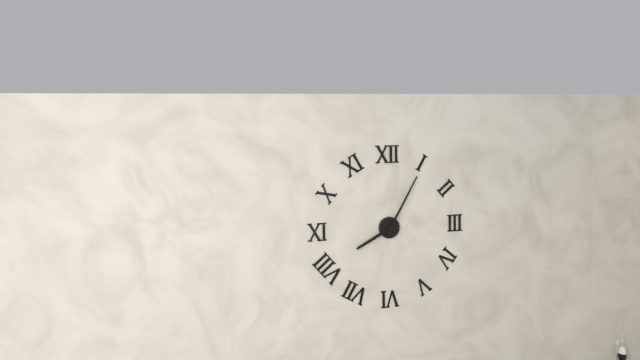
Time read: 8.05
